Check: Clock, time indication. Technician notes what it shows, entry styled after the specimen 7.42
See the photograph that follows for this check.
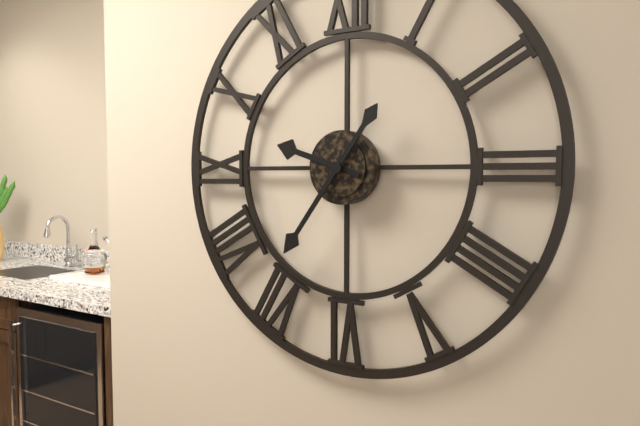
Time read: 9.36
